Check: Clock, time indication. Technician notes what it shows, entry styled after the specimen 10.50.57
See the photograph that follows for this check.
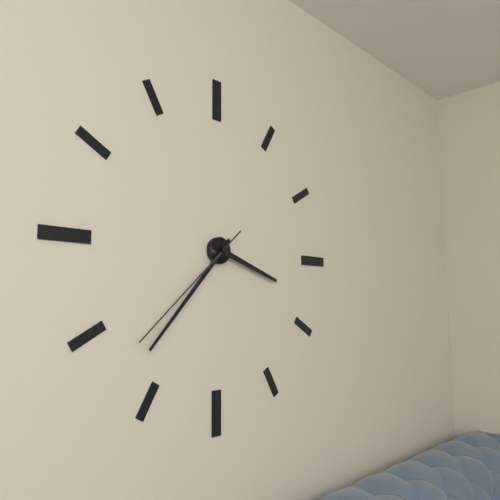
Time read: 3.37.38
